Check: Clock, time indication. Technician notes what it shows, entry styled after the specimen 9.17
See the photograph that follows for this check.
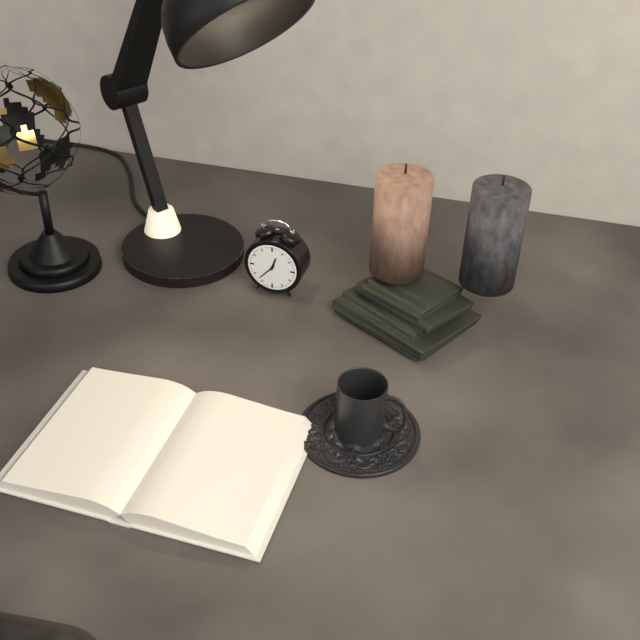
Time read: 12.37
